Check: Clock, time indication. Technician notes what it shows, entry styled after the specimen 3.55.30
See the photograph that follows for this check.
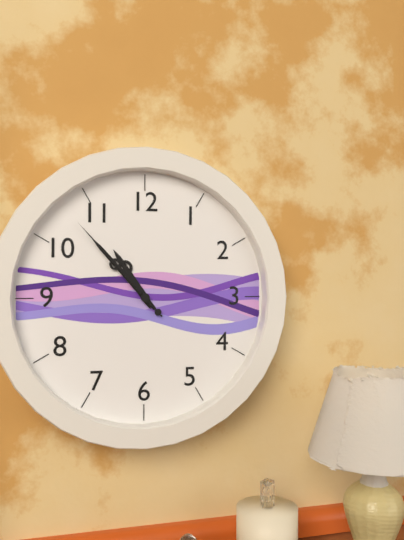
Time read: 10.53.53
